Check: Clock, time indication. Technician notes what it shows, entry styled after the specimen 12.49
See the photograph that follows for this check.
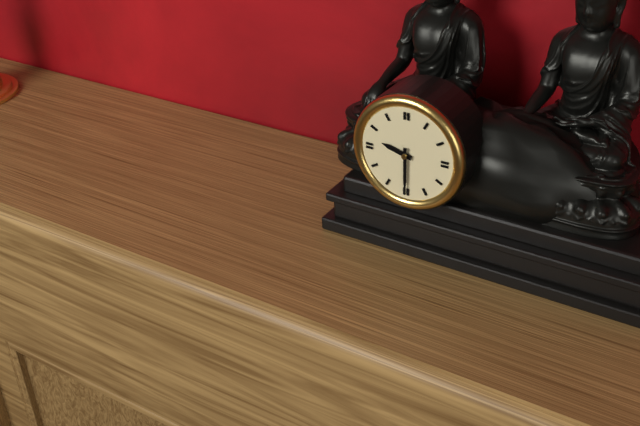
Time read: 9.30
